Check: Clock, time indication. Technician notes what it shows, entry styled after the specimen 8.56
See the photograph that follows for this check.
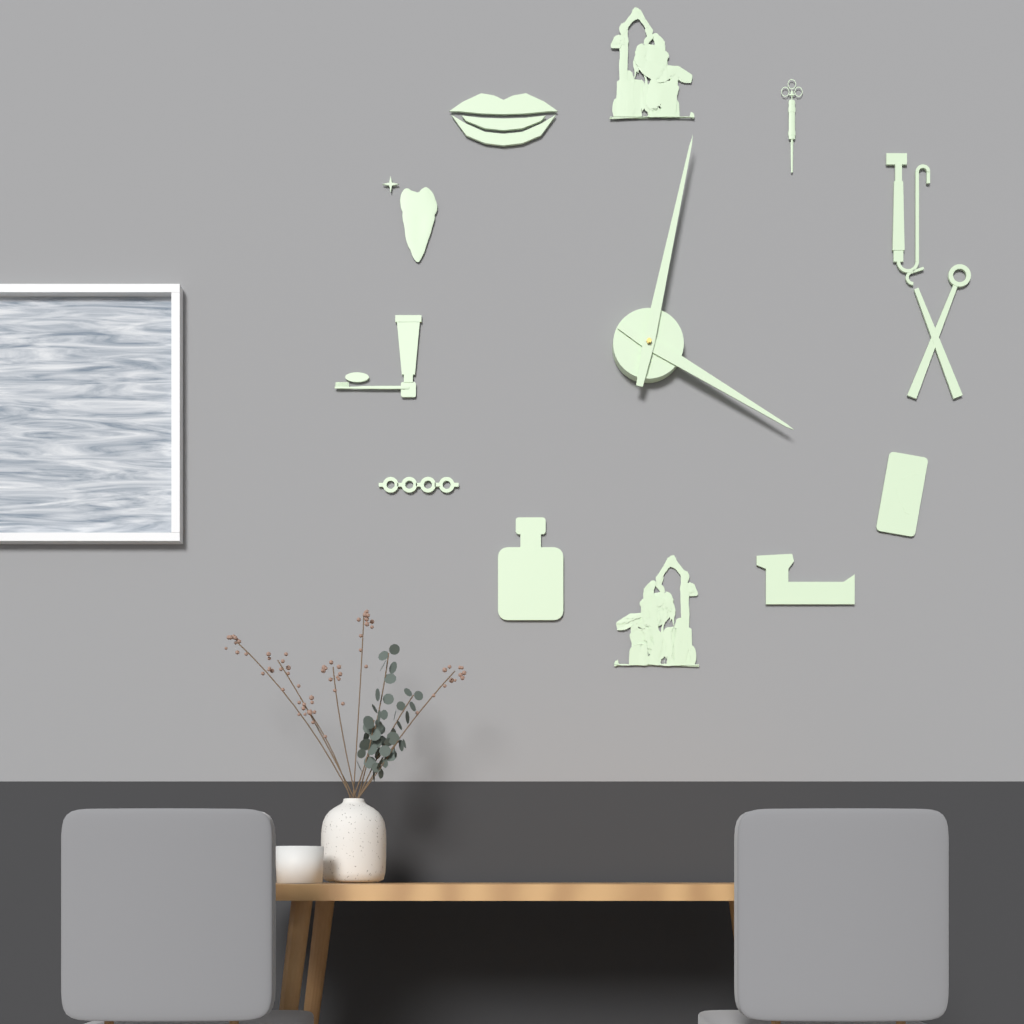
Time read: 4.02
